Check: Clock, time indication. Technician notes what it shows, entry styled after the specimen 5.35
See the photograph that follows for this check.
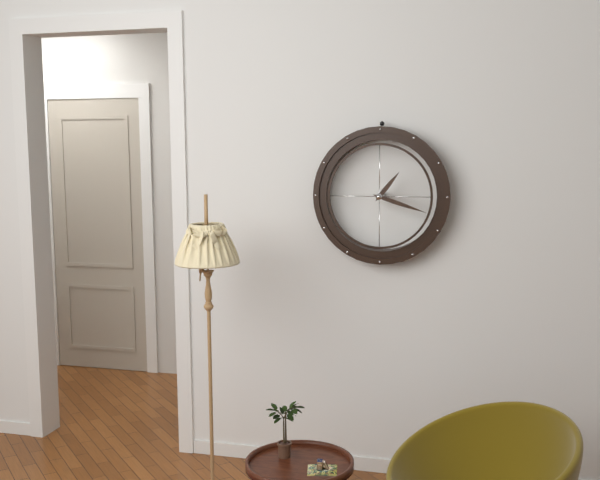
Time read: 1.18
